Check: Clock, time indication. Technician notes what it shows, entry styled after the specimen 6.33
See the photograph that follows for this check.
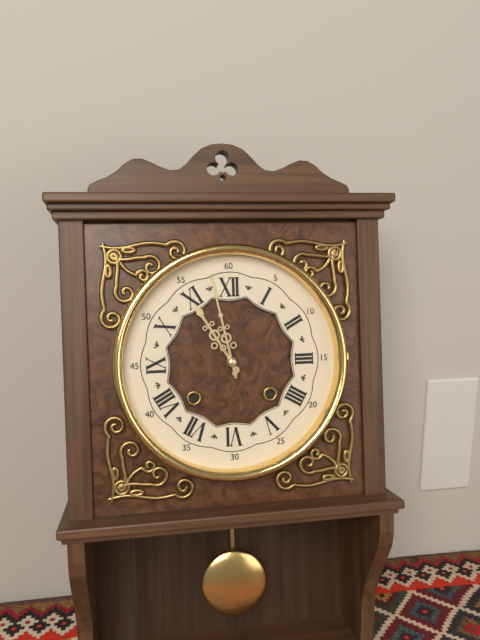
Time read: 10.58
